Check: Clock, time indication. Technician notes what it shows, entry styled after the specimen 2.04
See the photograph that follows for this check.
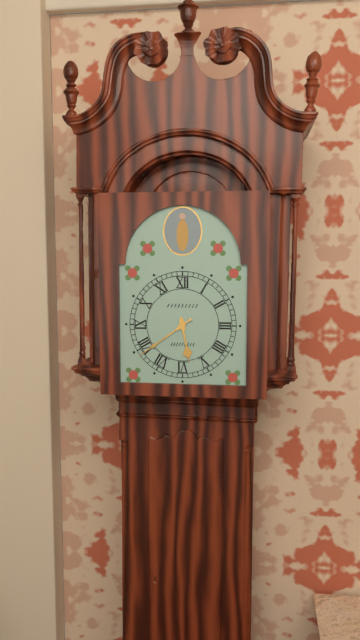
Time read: 5.39
